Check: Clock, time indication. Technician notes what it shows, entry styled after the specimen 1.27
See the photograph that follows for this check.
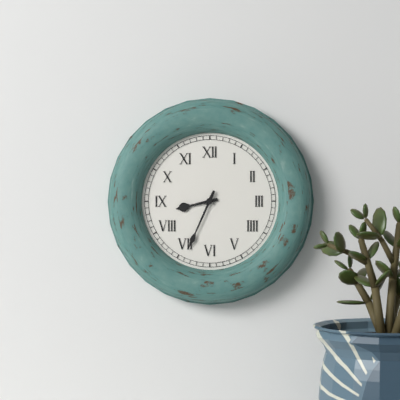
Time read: 8.34
